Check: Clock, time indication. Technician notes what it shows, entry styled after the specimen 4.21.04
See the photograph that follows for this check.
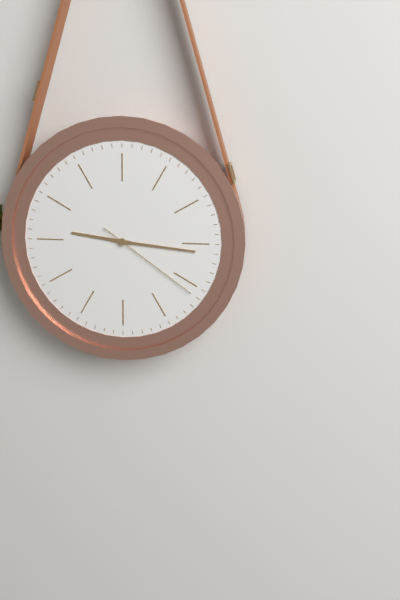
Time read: 9.16.21
